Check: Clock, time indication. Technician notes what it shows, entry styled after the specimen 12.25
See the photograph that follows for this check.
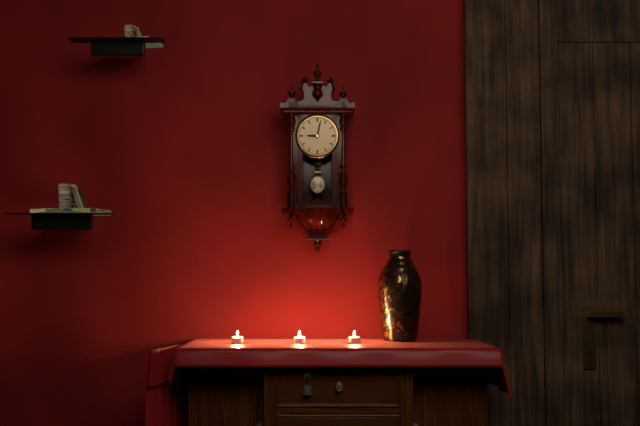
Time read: 9.02
